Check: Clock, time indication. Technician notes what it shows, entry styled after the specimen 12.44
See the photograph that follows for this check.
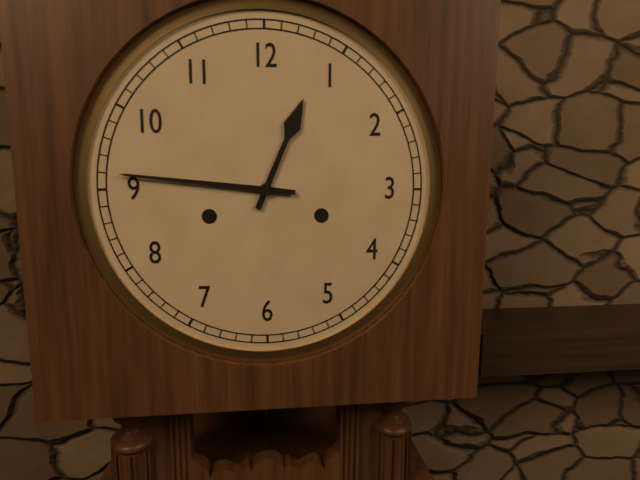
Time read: 12.46
